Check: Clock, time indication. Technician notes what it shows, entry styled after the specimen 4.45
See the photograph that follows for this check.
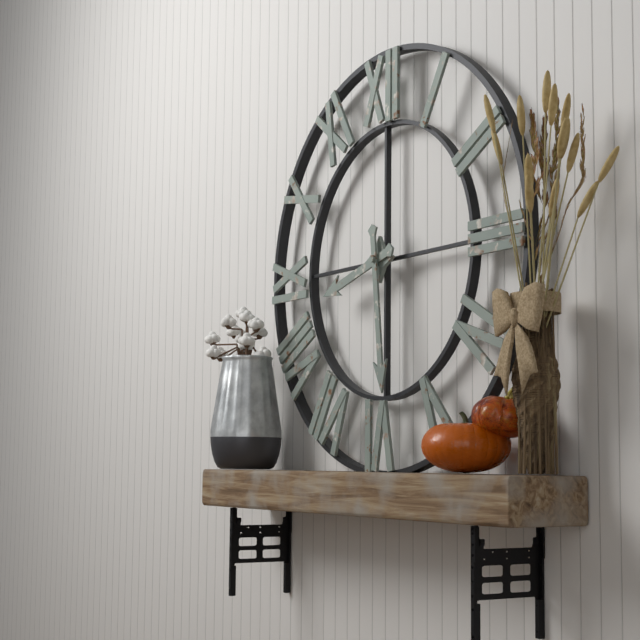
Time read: 8.29
